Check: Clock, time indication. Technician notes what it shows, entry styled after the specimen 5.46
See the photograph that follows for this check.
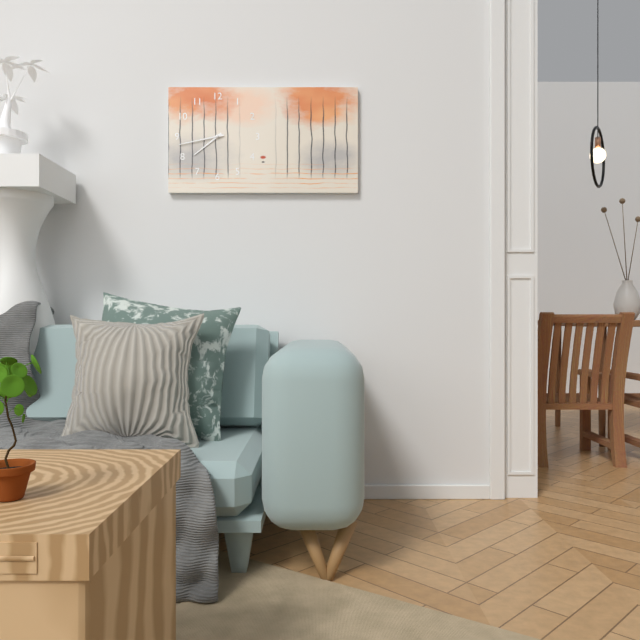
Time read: 7.43
